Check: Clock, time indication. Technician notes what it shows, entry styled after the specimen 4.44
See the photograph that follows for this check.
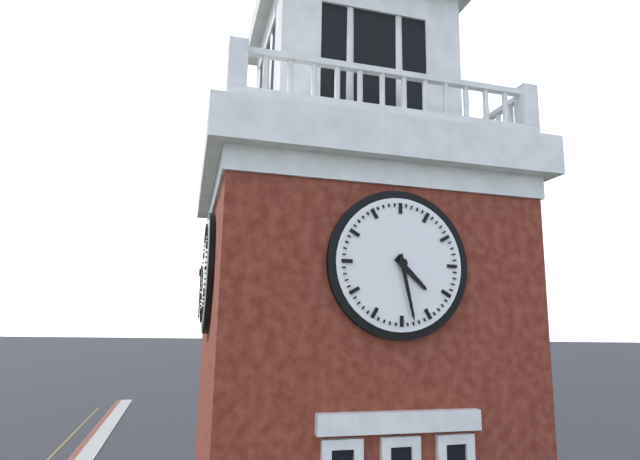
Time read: 4.28
